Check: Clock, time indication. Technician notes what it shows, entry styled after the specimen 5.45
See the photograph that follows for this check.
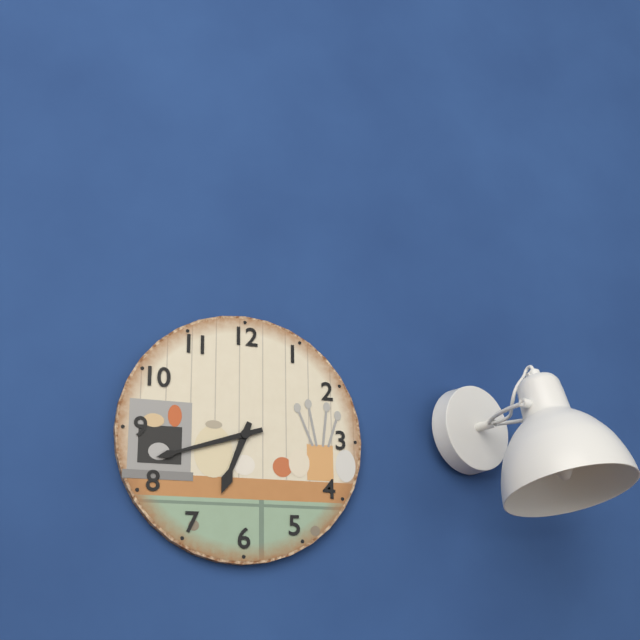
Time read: 6.42
